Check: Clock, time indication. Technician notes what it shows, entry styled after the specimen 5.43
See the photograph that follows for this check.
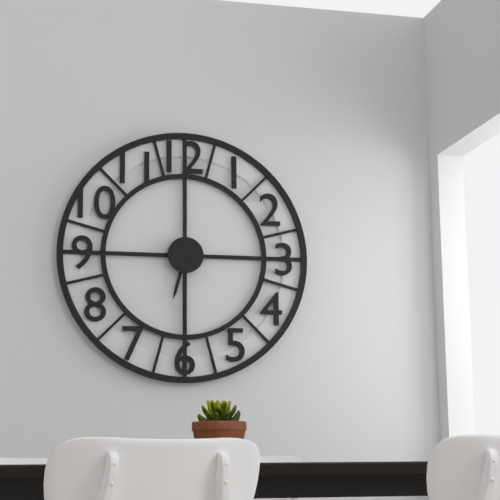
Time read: 6.30
